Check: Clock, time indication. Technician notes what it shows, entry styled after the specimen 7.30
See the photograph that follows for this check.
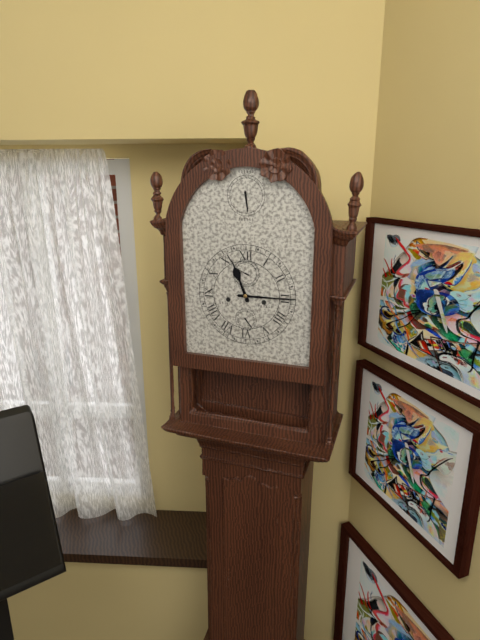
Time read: 11.15
